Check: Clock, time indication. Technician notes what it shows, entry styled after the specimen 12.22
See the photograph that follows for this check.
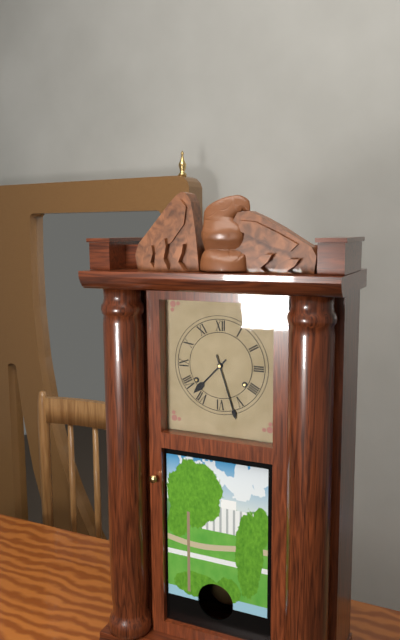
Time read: 7.27
